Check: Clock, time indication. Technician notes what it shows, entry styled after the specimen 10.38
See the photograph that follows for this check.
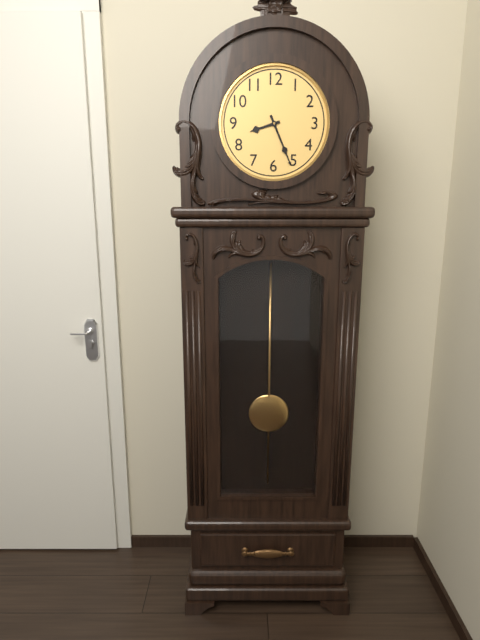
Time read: 8.26
